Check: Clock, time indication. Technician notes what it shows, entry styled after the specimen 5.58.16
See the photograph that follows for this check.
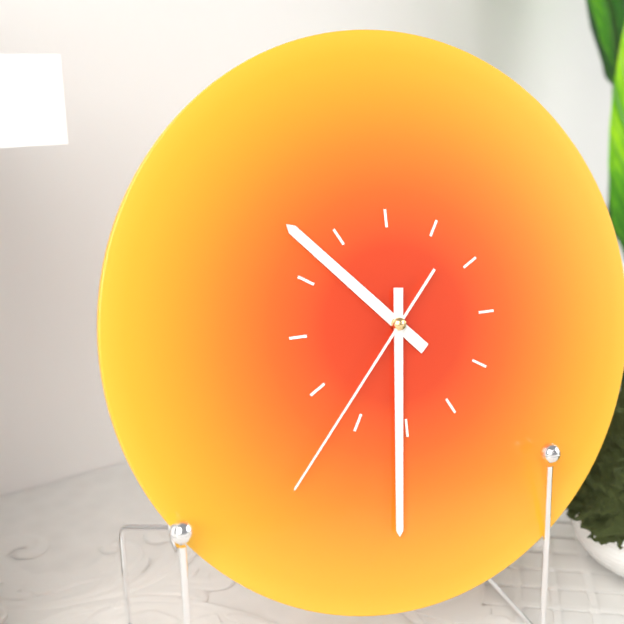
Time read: 10.31.37
